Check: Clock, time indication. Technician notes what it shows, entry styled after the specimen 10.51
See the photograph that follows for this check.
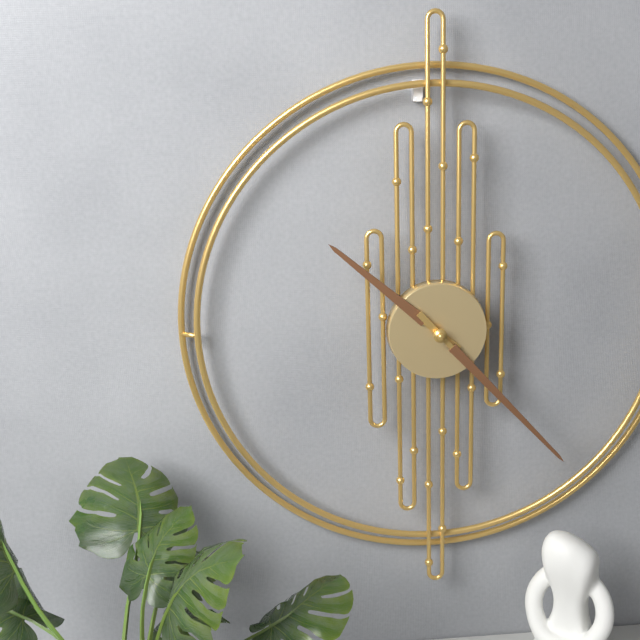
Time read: 10.23
